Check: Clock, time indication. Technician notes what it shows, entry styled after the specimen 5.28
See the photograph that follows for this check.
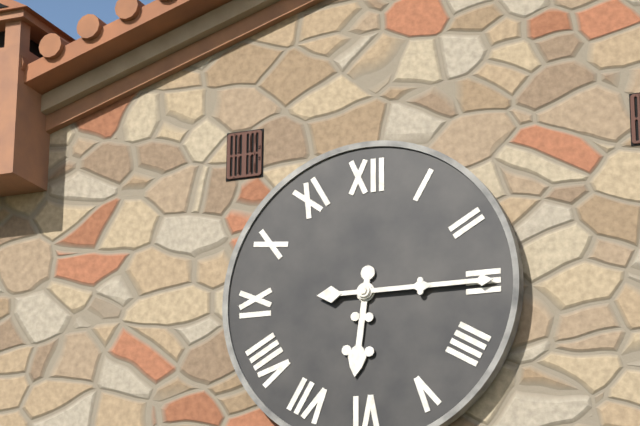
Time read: 6.15
